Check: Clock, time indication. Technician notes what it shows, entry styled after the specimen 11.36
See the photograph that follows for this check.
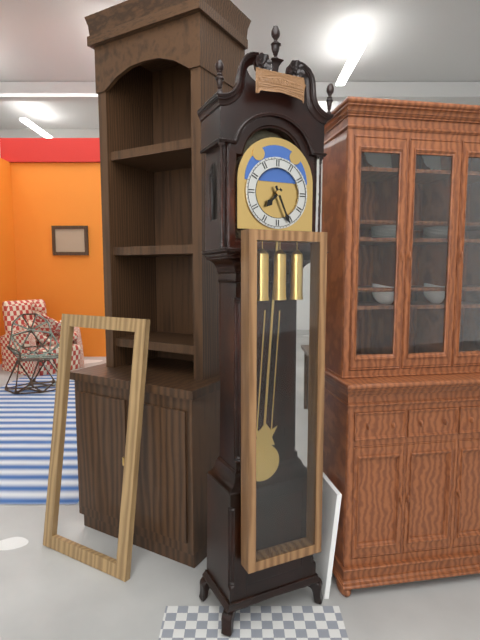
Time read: 7.26
